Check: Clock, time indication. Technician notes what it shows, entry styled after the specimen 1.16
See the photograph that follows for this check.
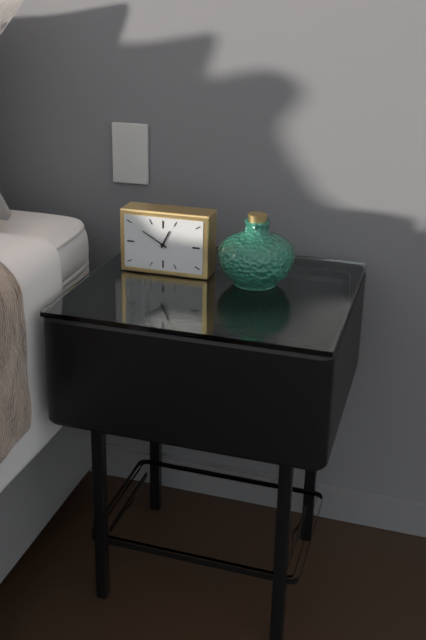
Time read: 12.50
